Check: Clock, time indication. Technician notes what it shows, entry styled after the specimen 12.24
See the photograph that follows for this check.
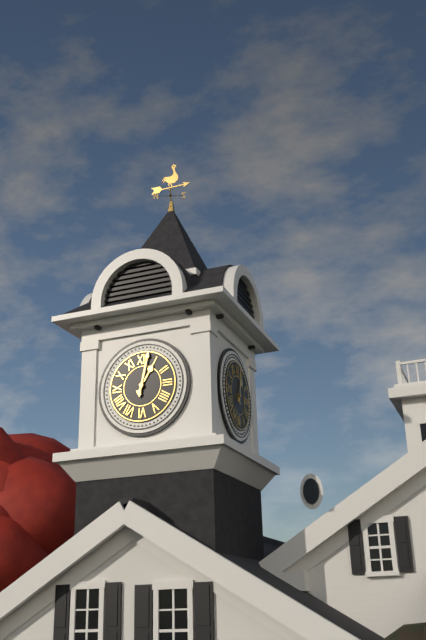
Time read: 1.02
